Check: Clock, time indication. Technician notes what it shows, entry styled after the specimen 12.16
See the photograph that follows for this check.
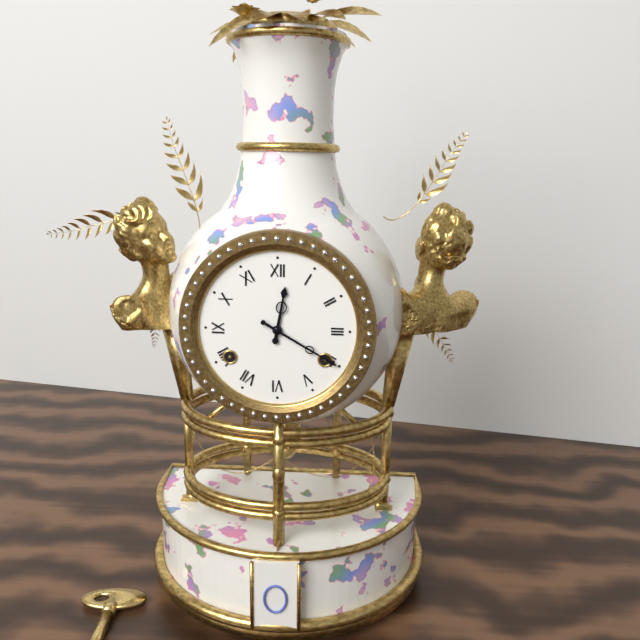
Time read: 12.20
